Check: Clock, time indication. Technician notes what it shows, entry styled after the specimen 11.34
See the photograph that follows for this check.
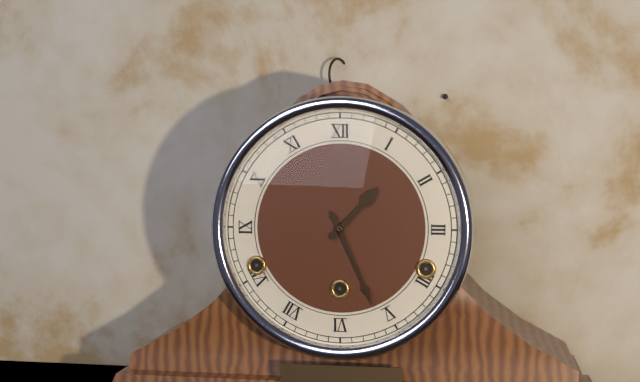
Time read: 1.26
